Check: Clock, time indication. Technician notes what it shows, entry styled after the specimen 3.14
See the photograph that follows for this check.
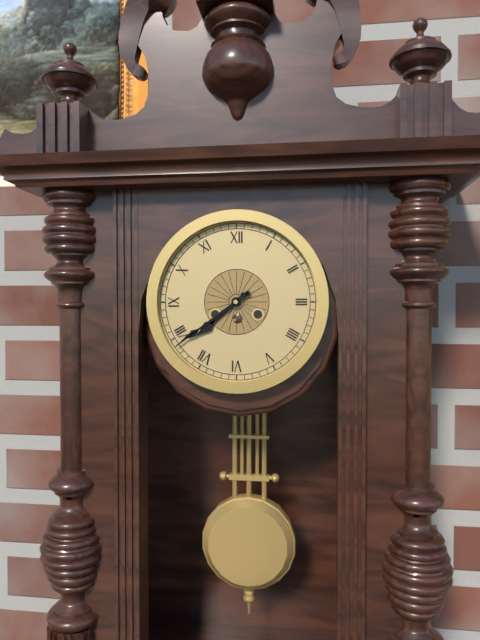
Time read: 7.39
